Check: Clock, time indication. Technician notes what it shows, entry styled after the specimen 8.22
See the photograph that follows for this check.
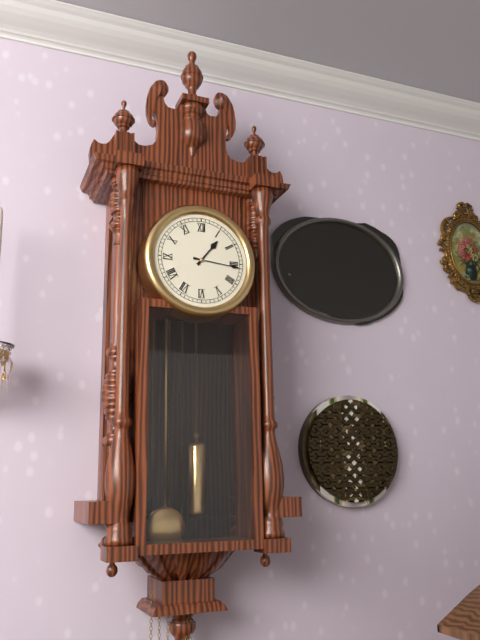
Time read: 1.16
